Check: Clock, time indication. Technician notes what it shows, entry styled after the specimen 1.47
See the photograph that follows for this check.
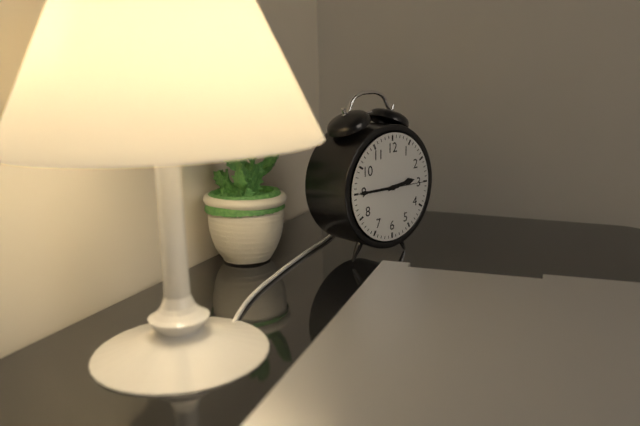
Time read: 2.45
